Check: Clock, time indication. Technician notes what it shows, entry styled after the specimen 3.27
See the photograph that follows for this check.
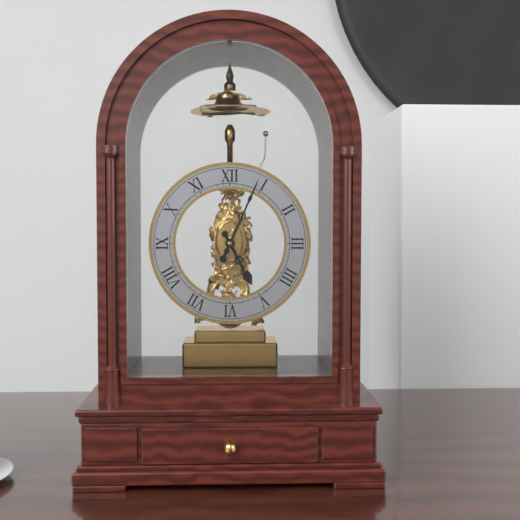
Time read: 5.04
